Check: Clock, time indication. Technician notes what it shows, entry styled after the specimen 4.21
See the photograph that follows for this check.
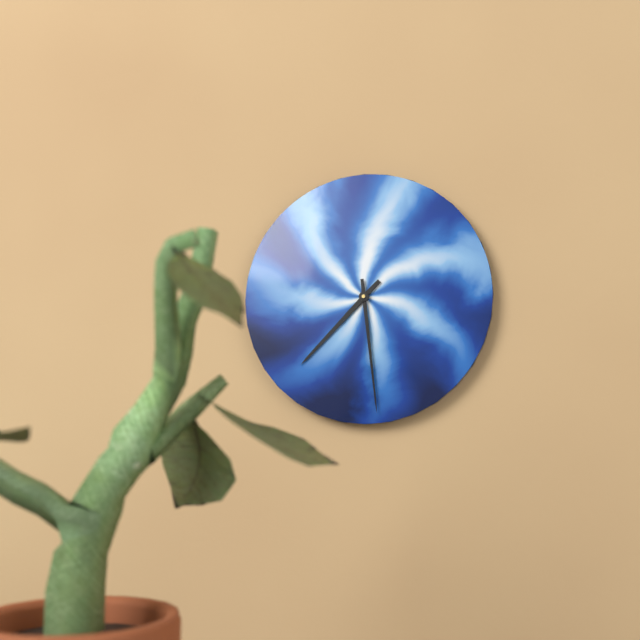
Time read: 7.29
